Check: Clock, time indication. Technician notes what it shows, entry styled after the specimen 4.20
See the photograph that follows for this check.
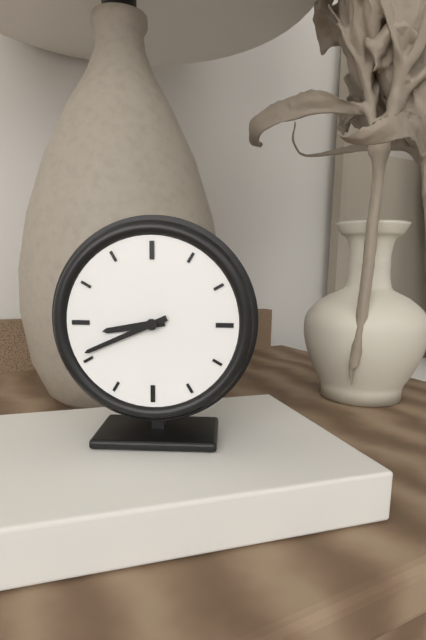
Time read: 8.41
